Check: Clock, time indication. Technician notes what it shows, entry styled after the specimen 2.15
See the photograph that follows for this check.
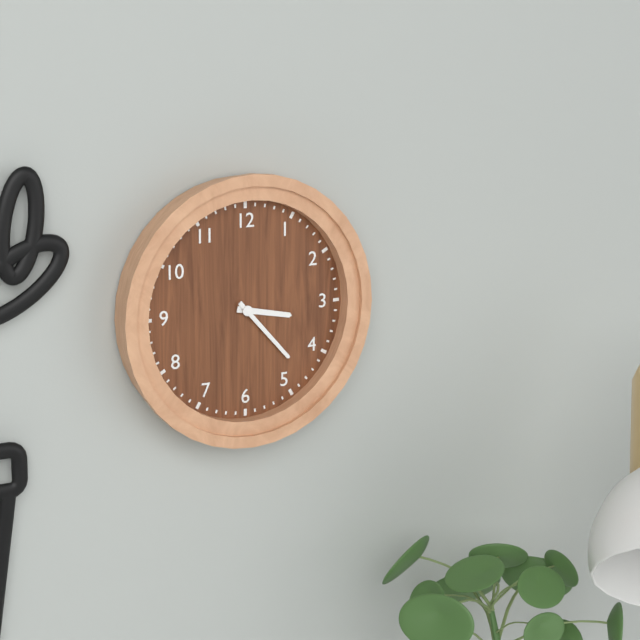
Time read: 3.23
